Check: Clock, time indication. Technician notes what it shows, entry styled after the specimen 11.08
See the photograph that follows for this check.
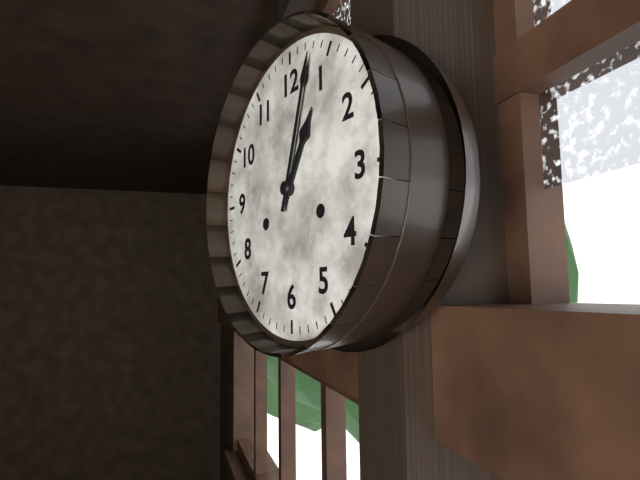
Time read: 1.03
